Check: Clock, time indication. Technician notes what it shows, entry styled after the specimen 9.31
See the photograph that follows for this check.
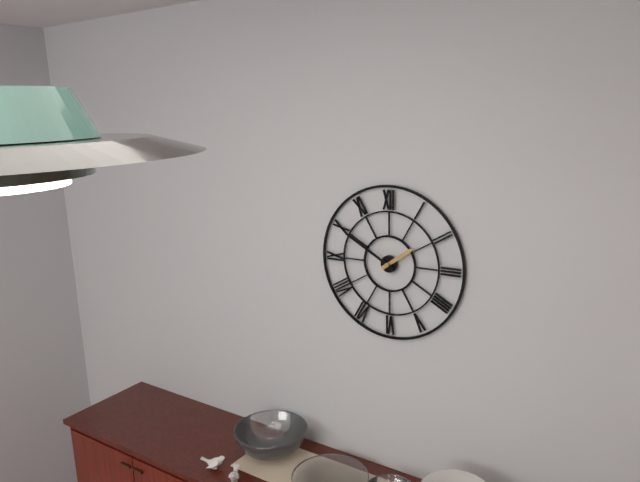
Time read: 1.50
